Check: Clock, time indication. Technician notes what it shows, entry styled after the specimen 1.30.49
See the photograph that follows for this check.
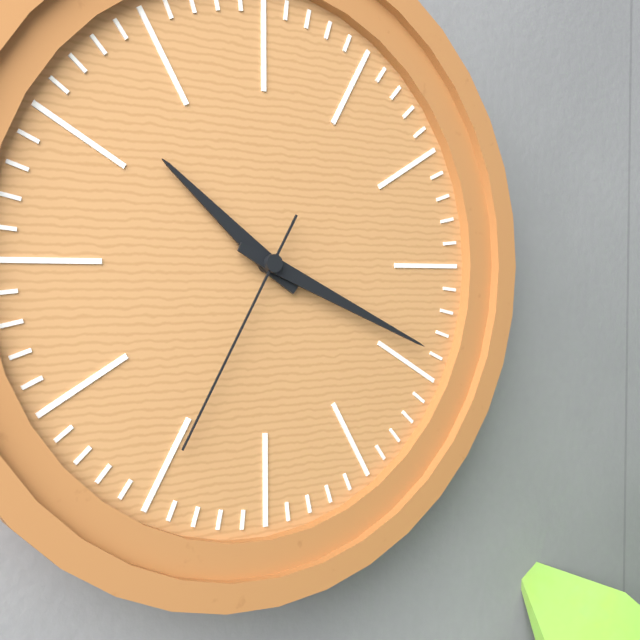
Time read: 10.19.35
